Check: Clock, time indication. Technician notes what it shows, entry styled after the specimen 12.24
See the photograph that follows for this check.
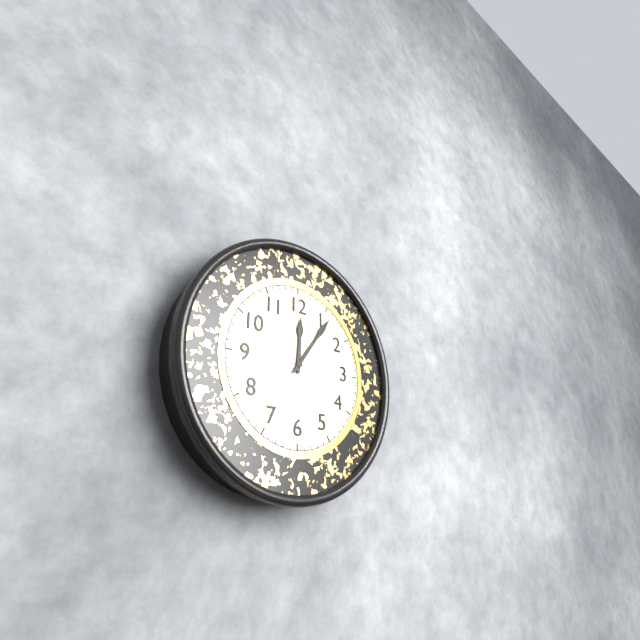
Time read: 12.06
